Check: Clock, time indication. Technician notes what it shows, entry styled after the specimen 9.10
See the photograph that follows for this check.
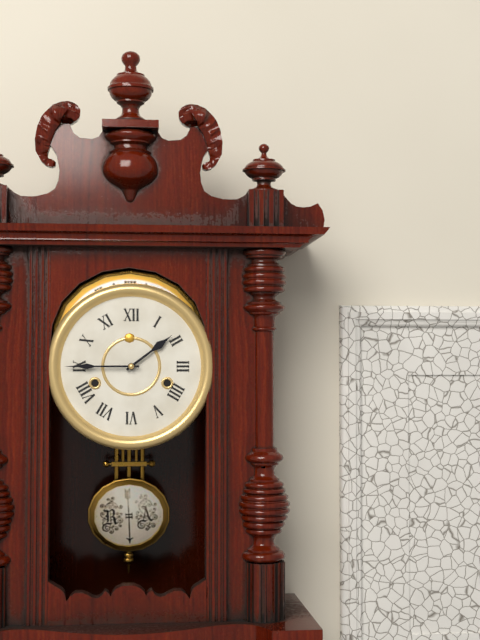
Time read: 1.45
